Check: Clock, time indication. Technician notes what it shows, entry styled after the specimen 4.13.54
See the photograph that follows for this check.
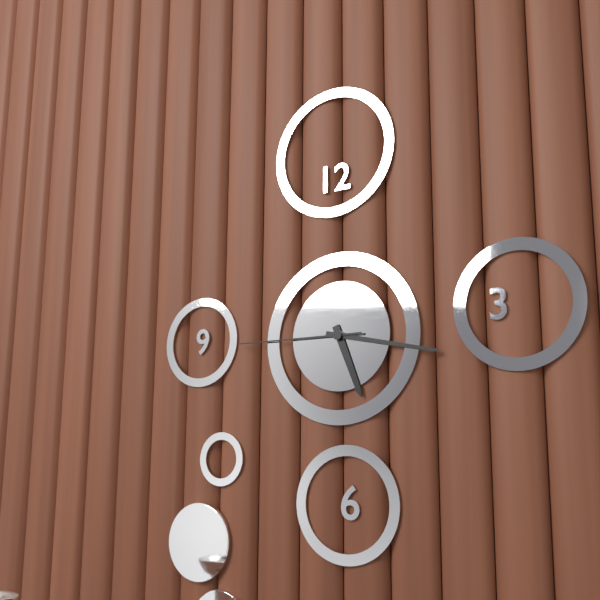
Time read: 5.17.45
